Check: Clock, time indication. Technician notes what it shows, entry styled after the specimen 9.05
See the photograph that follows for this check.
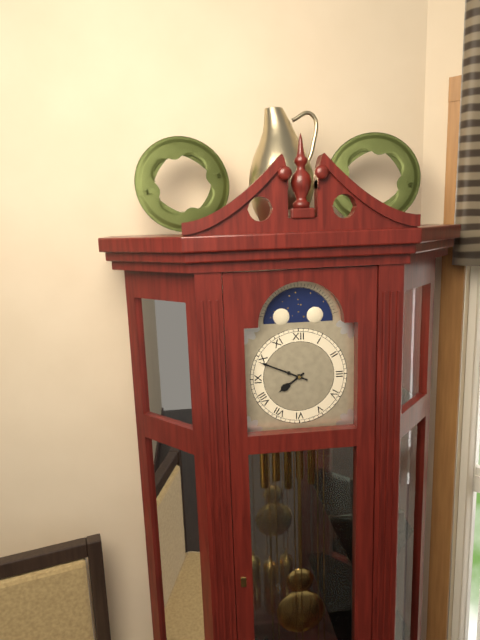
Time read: 7.49
